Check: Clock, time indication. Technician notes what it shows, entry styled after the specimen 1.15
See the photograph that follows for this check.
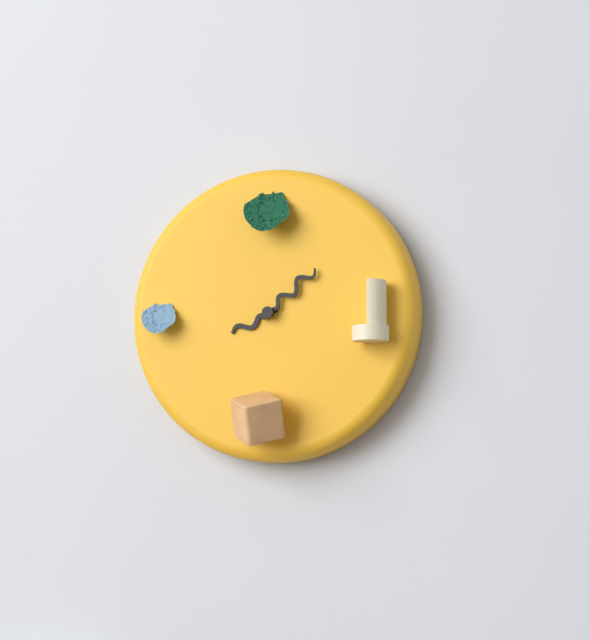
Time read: 8.08
